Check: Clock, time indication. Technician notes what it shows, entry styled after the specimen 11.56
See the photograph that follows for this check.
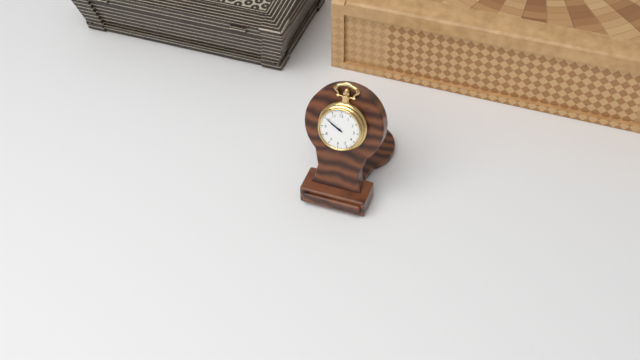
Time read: 9.50
